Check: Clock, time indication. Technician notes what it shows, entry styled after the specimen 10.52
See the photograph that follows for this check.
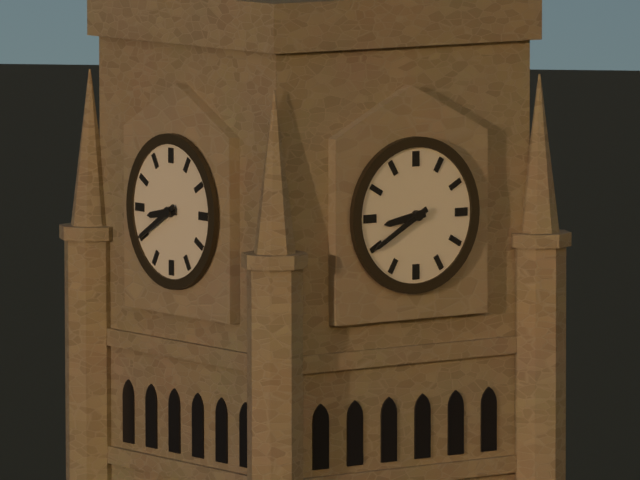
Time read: 8.40
